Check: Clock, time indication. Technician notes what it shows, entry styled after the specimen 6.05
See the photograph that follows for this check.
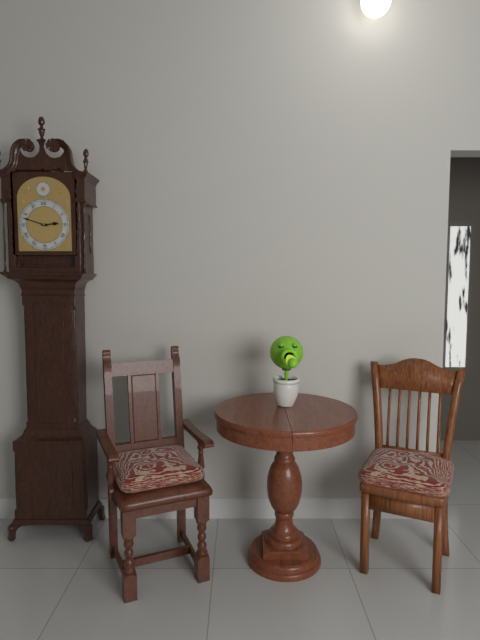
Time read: 2.48
